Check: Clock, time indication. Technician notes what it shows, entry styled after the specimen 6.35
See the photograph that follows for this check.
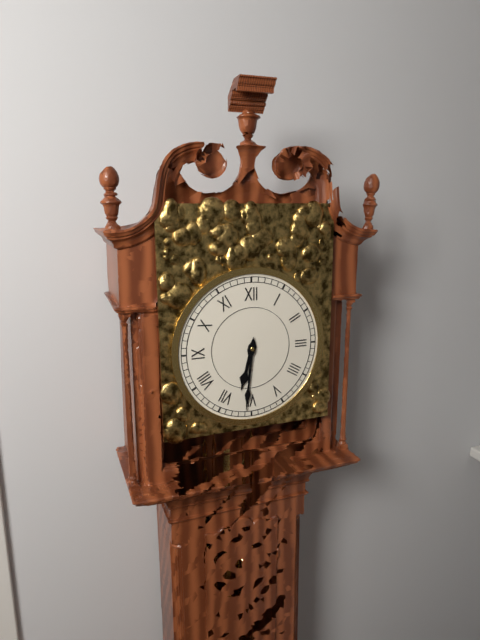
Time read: 6.31
